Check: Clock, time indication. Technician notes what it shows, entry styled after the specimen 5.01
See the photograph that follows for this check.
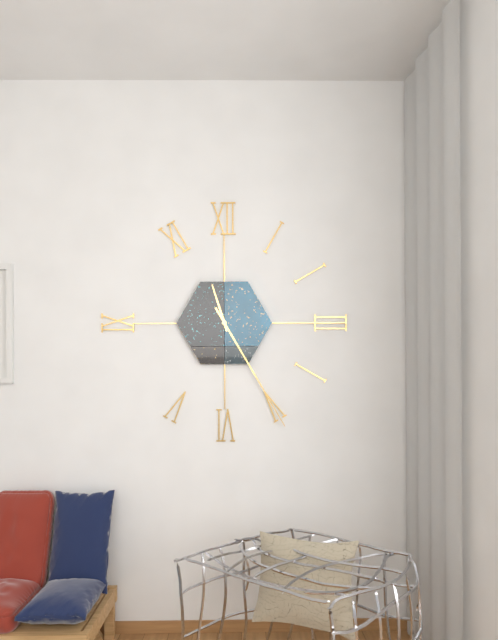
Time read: 11.25
